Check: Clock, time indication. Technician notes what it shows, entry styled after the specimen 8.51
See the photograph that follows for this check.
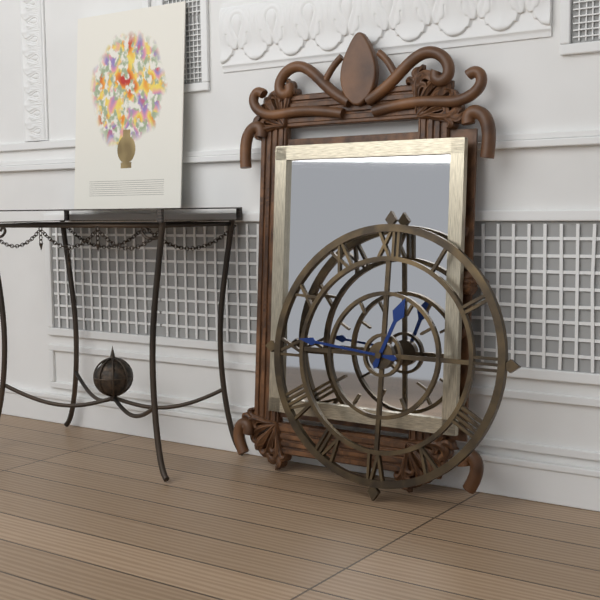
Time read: 12.46
